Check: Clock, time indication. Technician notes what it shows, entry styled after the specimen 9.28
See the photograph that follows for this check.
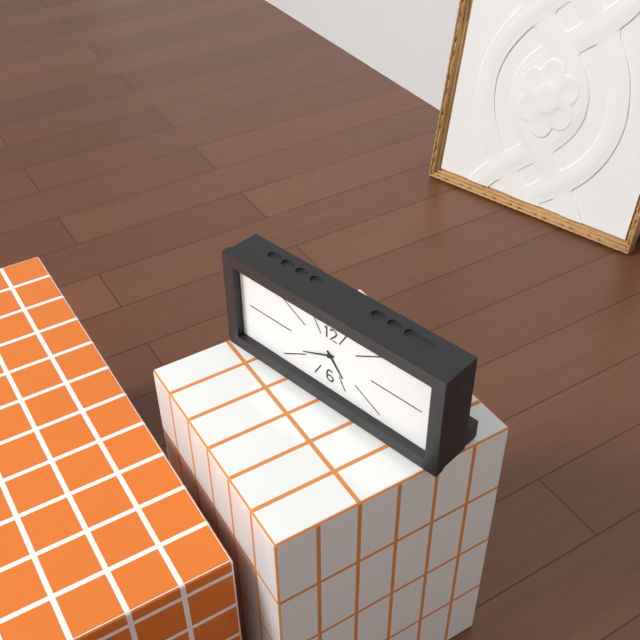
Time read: 4.41
